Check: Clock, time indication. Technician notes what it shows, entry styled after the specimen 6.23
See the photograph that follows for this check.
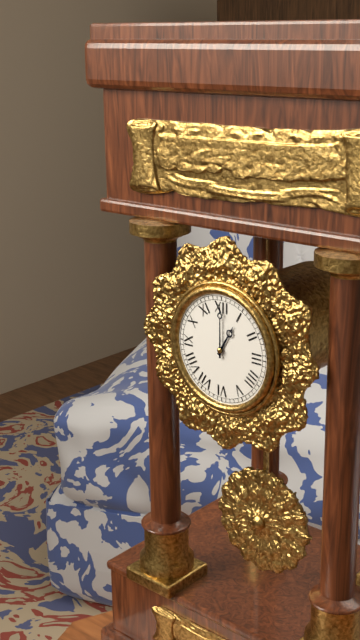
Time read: 1.00
